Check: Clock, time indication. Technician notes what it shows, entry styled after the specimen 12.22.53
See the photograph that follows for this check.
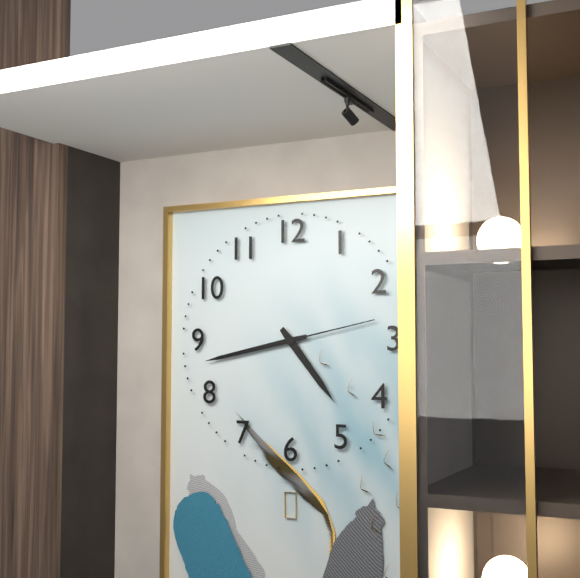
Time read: 4.43.13
